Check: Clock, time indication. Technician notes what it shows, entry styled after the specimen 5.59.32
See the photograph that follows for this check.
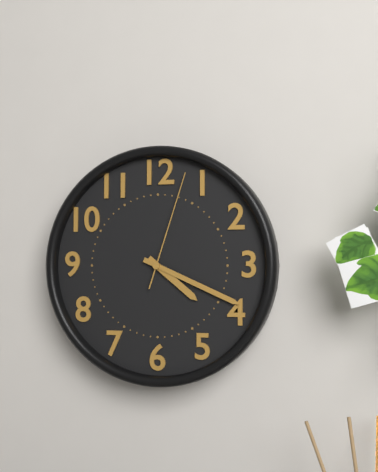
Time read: 4.19.03
